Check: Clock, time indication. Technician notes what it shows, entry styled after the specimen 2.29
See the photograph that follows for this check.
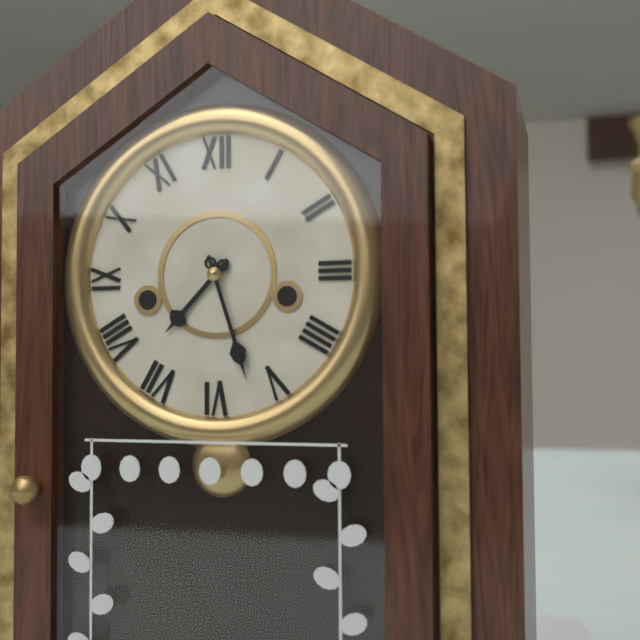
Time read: 7.27
